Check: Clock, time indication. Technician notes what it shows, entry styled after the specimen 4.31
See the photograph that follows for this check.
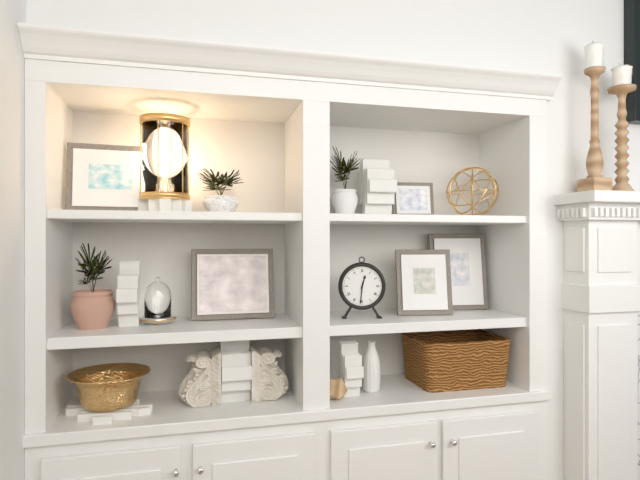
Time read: 12.31
